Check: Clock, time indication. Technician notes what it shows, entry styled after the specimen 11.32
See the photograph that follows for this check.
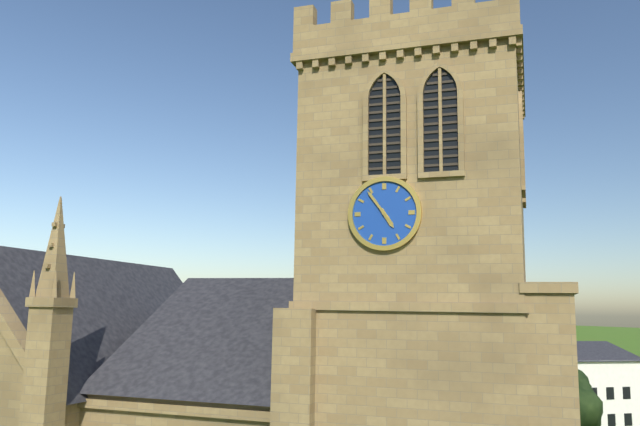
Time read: 4.54
